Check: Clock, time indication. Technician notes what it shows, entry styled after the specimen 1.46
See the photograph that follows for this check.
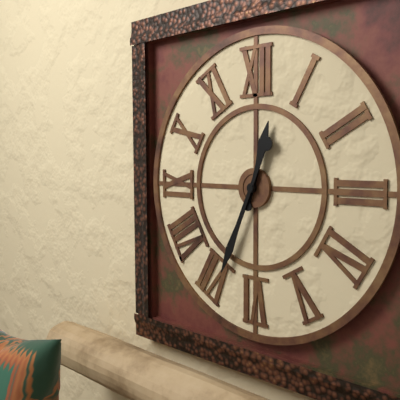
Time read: 12.34
